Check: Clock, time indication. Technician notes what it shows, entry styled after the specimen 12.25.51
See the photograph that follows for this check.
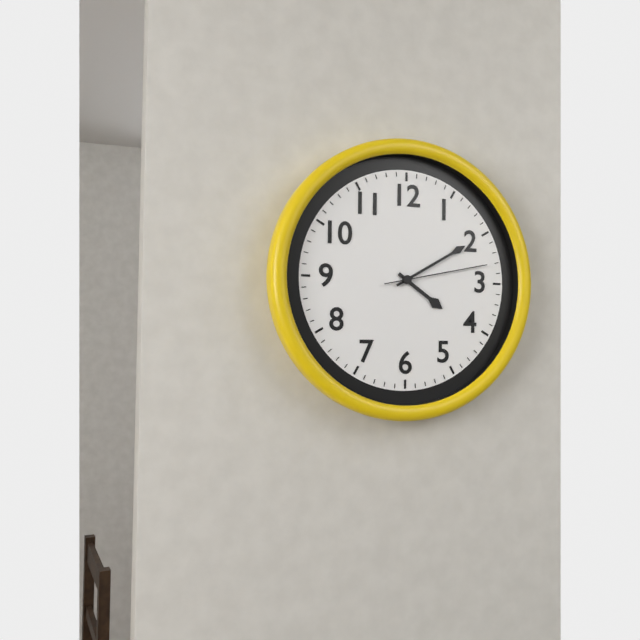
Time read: 4.10.13
